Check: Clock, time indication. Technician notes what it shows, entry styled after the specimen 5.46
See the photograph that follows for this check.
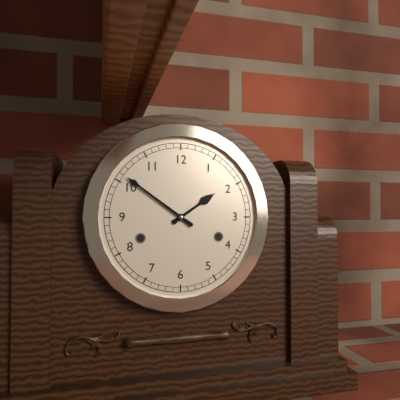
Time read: 1.51
